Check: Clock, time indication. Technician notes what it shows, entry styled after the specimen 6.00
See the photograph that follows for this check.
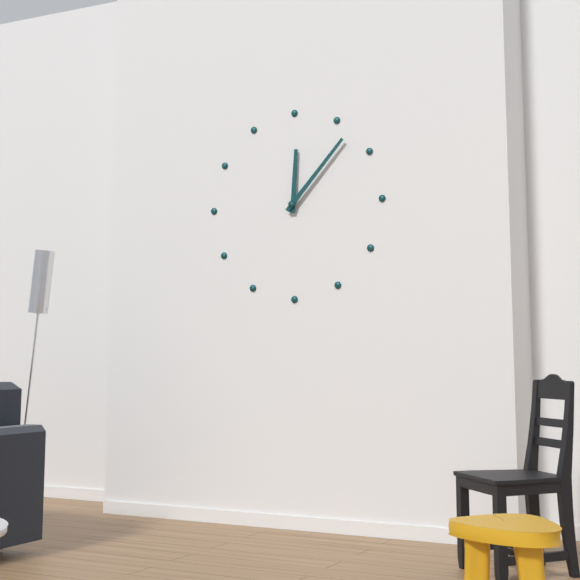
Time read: 12.07
